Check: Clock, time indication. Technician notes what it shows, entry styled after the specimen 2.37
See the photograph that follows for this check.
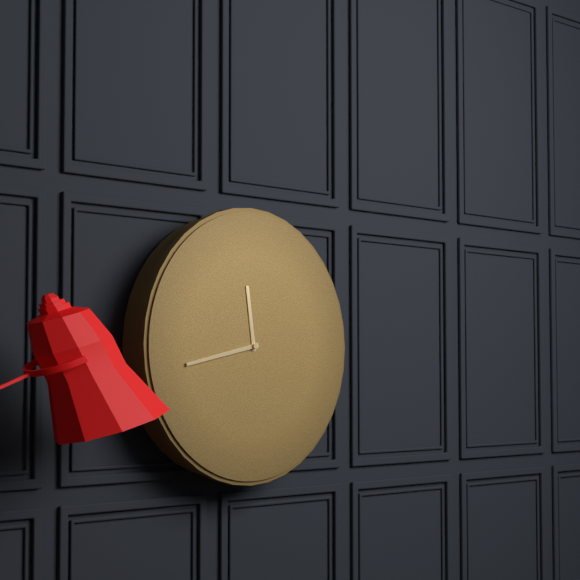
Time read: 11.43
